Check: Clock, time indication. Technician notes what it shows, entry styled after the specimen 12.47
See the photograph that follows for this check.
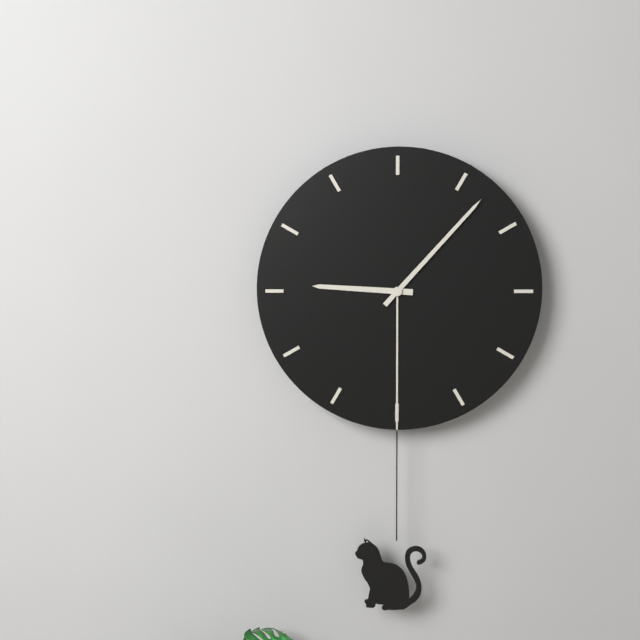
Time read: 9.07
